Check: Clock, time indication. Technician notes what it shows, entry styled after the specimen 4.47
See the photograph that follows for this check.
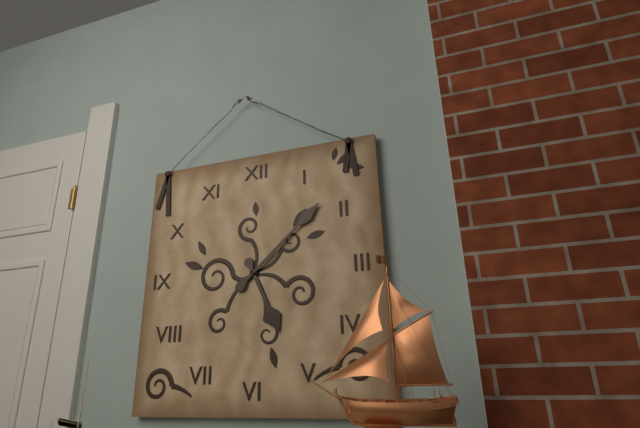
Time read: 5.08
